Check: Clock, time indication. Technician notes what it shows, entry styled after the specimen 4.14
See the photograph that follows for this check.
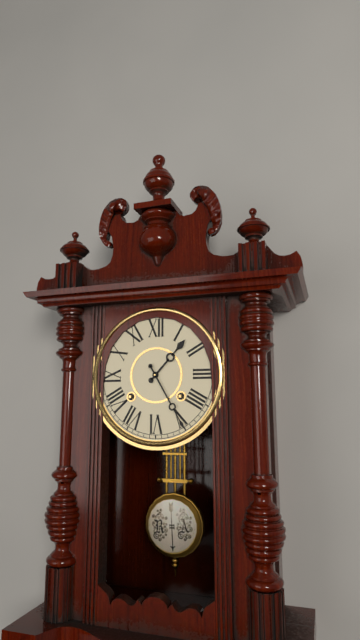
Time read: 1.25
